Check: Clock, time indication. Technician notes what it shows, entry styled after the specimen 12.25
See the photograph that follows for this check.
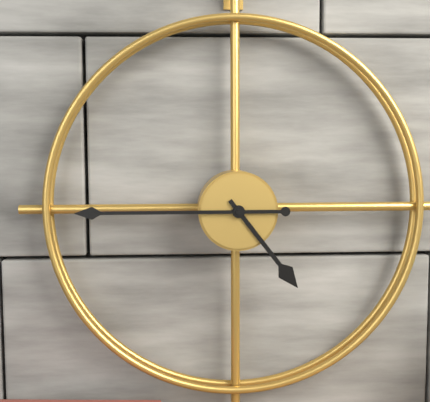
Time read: 4.45
